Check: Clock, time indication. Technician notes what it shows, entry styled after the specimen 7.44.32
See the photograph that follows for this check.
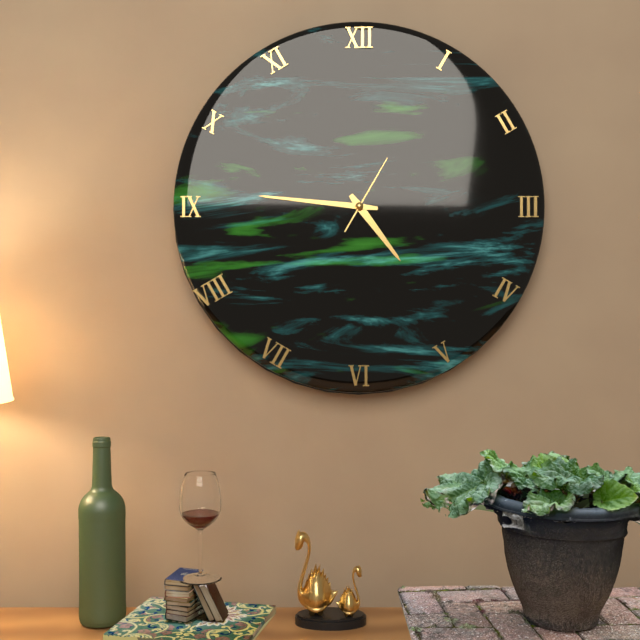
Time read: 4.46.05
